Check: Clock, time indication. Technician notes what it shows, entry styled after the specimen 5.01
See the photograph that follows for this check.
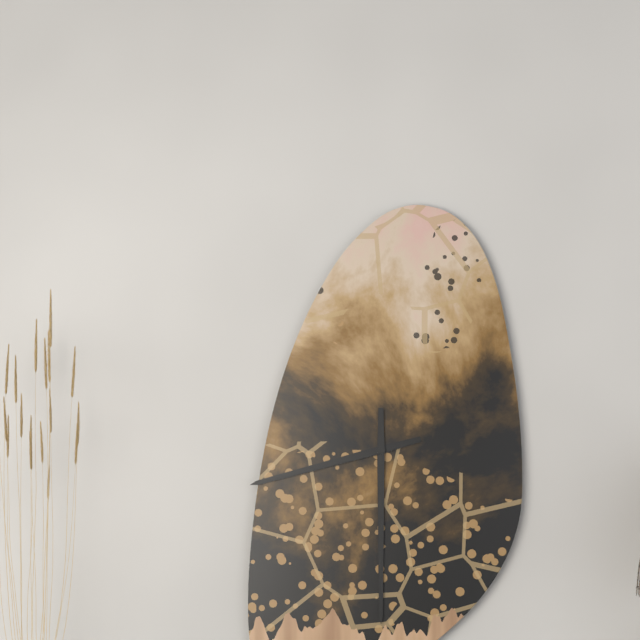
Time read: 8.30
